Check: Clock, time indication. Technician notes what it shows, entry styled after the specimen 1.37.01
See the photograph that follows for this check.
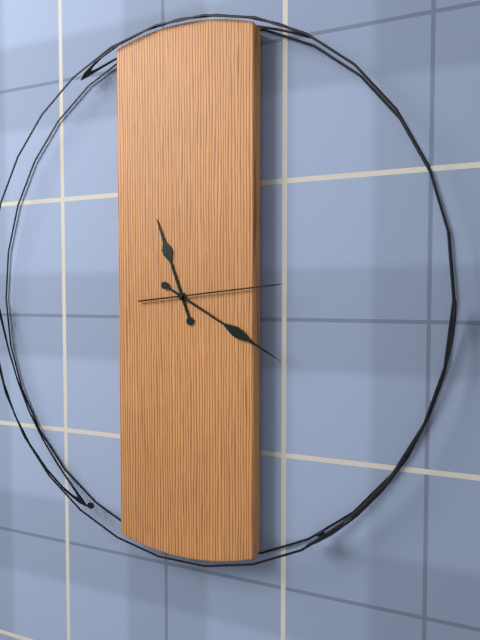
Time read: 11.20.14
